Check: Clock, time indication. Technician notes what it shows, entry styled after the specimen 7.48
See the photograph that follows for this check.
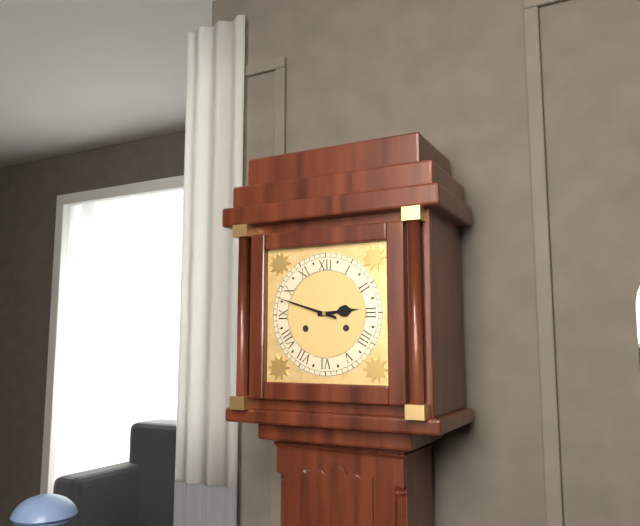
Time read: 2.48
